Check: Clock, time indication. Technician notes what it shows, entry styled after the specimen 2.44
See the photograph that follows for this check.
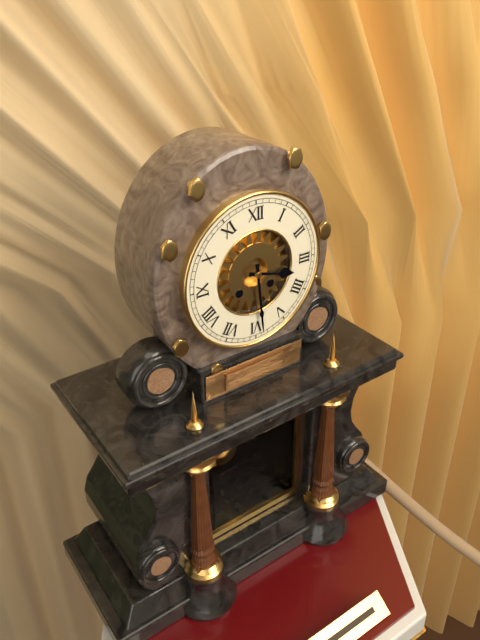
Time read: 3.29
